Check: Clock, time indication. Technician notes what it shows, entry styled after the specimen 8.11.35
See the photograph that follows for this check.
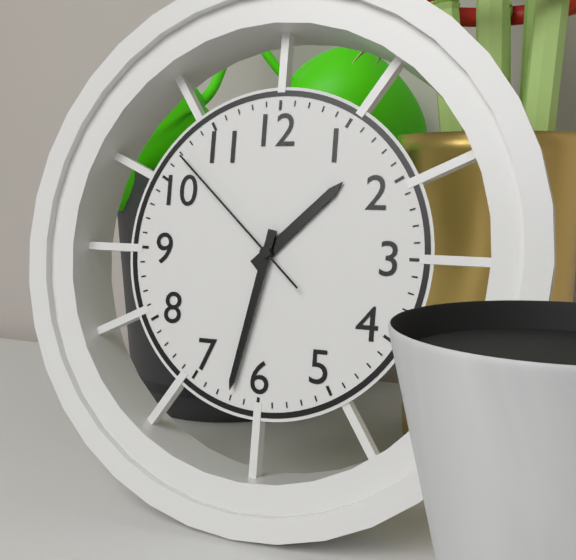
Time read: 1.32.52
